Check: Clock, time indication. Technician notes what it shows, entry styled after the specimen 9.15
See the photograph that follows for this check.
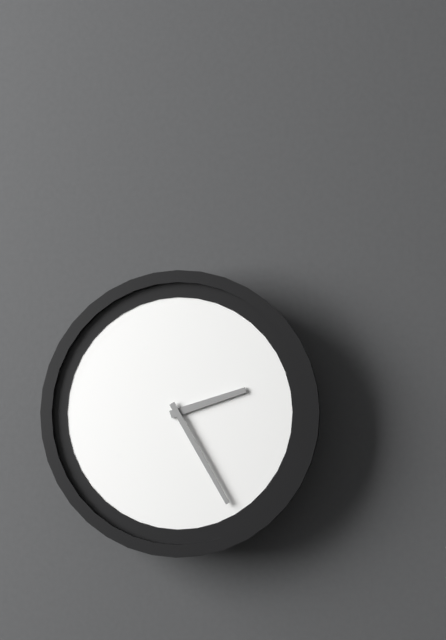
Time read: 2.25
